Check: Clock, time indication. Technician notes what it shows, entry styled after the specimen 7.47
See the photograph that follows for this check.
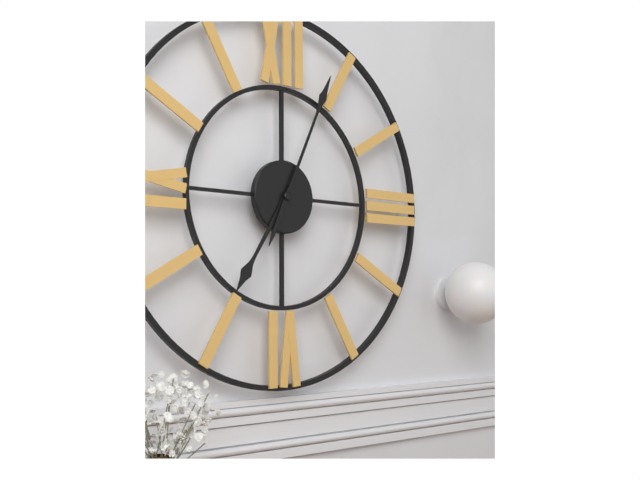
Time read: 7.04
